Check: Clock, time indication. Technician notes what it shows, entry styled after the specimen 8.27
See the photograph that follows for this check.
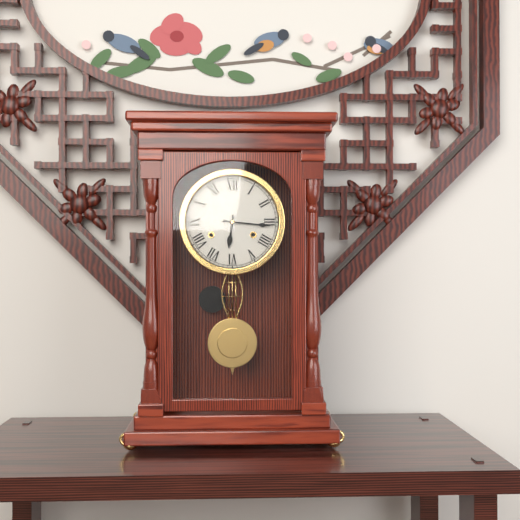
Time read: 6.16
